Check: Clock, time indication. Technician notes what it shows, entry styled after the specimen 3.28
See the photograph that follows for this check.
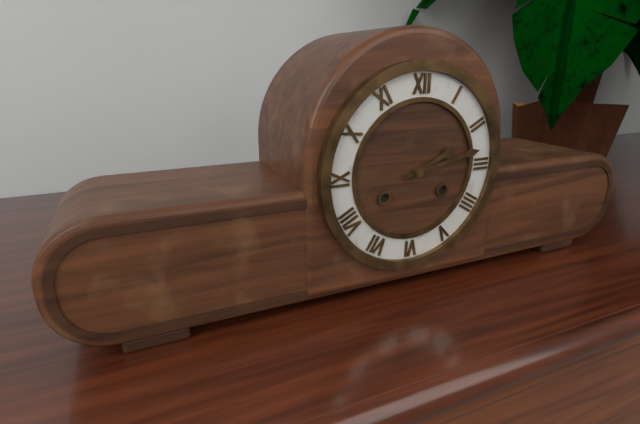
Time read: 2.13
